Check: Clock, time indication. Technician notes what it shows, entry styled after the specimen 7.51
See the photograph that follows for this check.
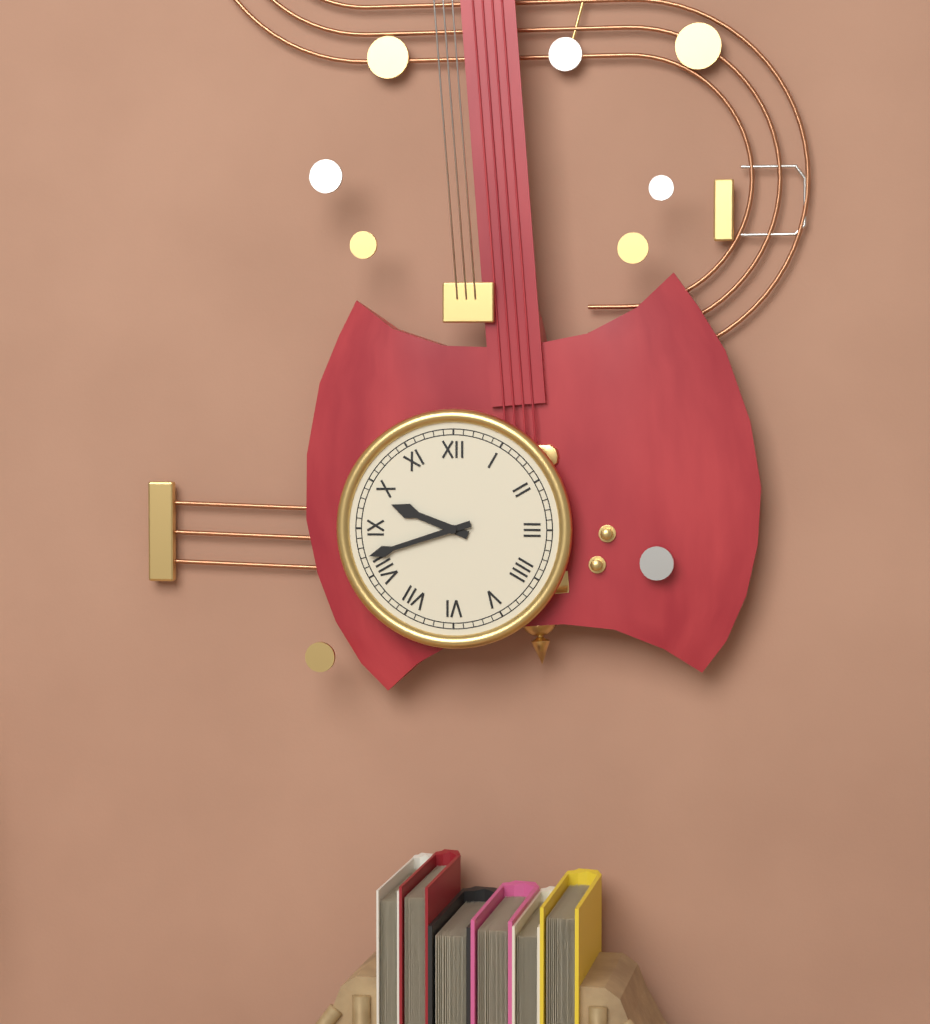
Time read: 9.42
